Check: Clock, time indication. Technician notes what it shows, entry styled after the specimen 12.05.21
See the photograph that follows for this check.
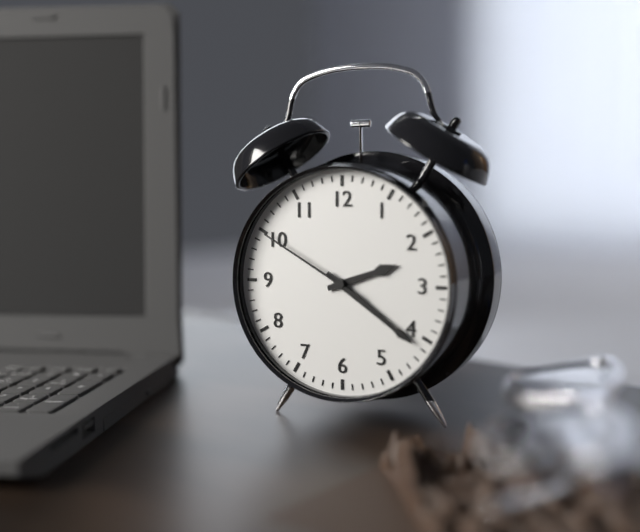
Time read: 2.21.50
